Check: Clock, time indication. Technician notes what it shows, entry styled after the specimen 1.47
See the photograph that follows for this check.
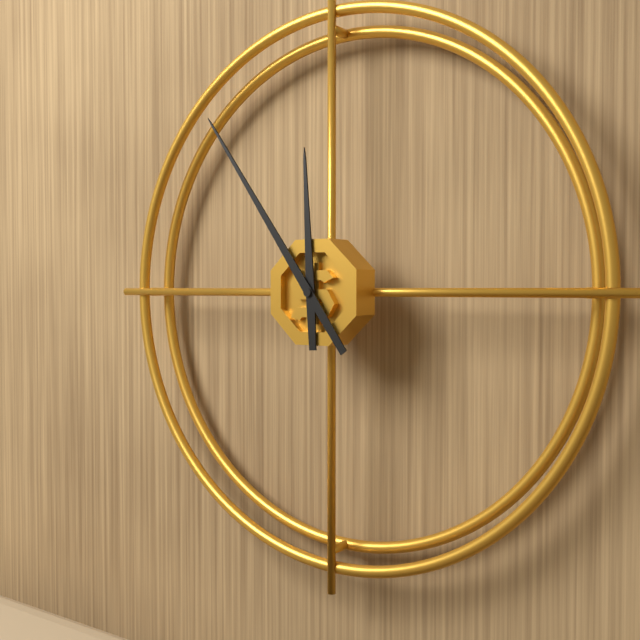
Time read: 11.54
